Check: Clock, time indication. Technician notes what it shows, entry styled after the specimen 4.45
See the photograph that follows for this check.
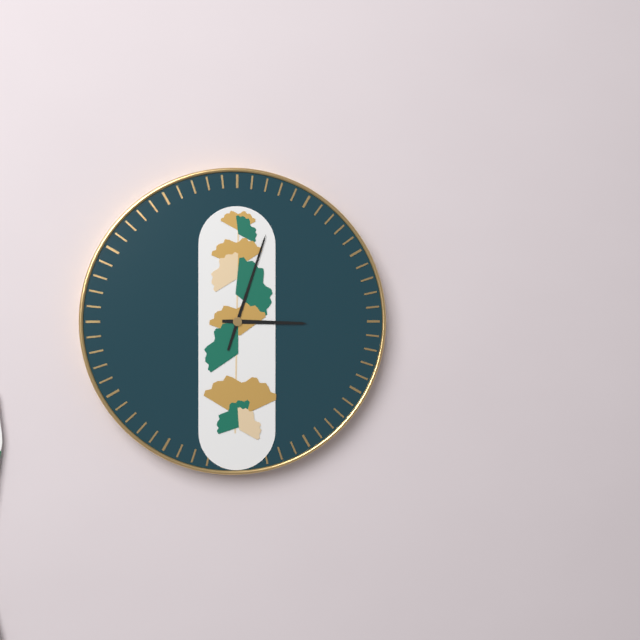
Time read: 3.03
